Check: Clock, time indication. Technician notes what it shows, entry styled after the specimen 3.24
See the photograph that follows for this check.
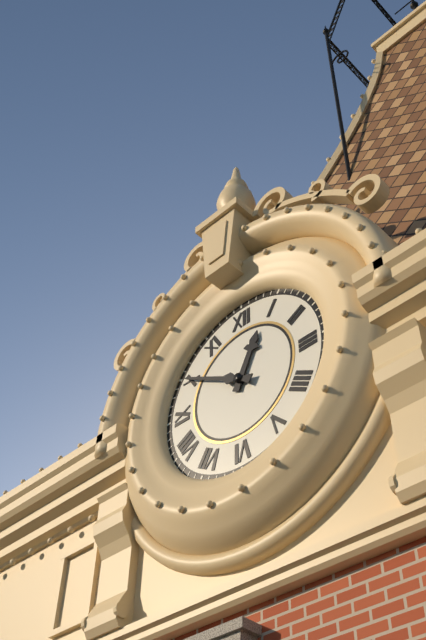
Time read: 12.50
